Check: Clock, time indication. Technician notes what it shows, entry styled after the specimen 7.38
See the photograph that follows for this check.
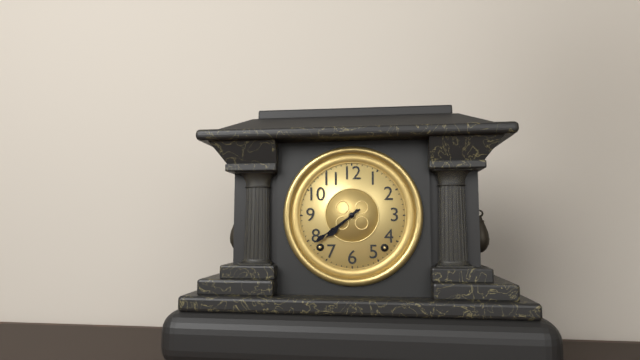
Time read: 7.39
